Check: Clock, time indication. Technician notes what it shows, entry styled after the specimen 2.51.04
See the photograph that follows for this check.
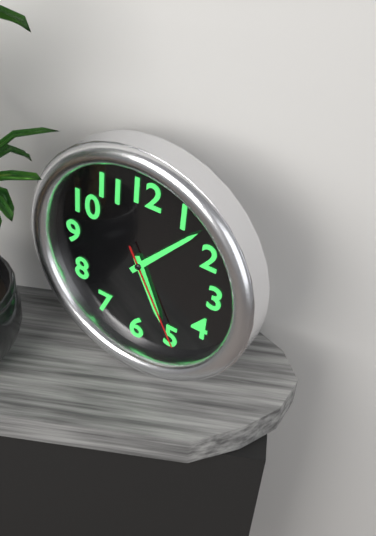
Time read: 5.07.25
